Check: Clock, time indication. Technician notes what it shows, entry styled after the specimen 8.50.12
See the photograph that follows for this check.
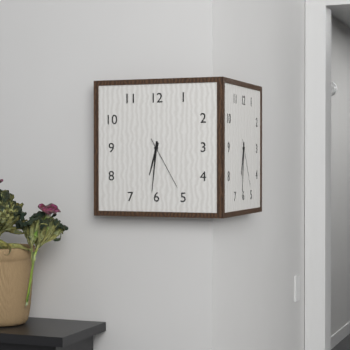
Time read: 6.31.25
